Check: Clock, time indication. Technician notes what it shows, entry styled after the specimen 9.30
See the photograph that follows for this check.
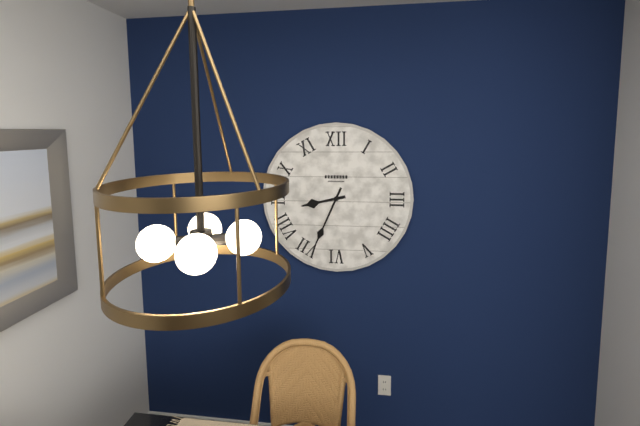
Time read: 8.34
